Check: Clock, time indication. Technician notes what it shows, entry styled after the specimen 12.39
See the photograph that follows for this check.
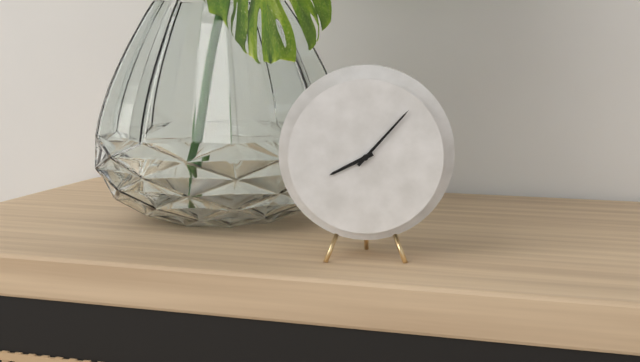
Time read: 8.07
